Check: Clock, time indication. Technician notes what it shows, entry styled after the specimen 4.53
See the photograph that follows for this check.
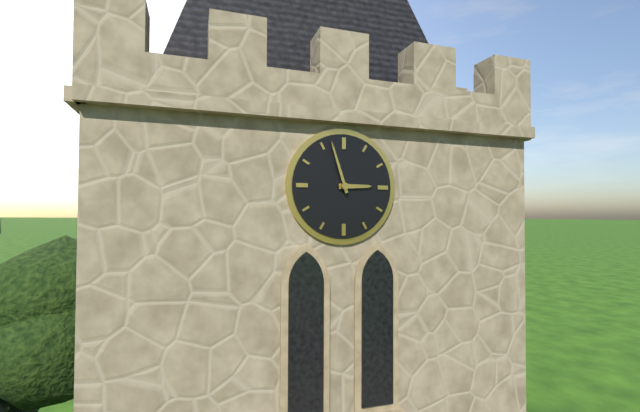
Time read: 2.57
